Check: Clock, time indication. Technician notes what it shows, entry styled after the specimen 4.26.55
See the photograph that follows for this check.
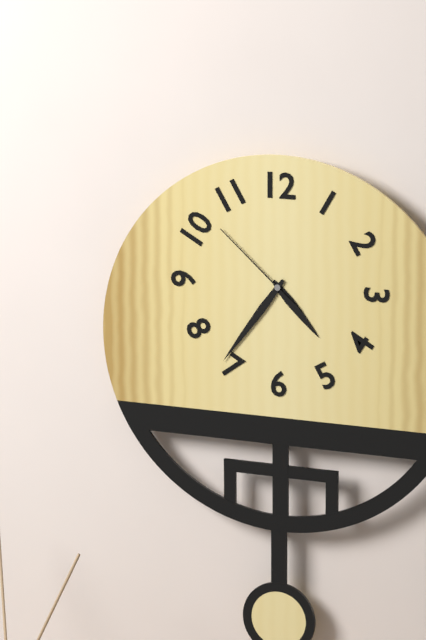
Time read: 4.36.52
